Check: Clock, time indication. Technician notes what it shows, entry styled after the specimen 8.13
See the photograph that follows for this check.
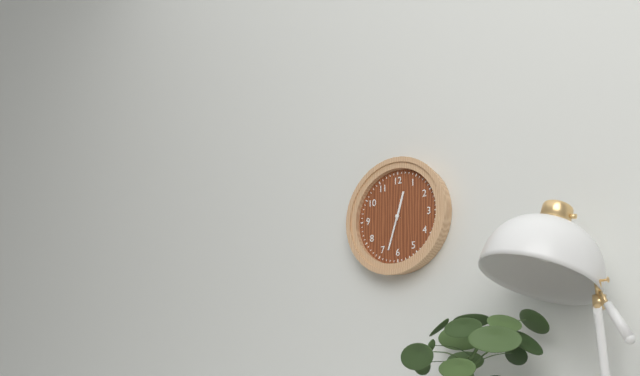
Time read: 12.33
